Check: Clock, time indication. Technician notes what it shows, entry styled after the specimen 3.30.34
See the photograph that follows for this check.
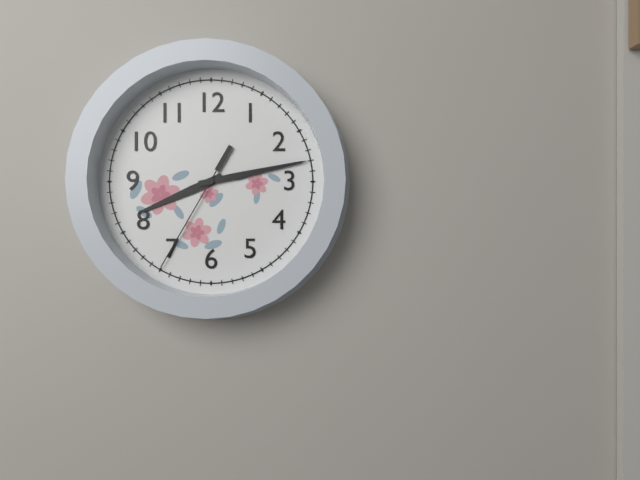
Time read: 8.13.35
